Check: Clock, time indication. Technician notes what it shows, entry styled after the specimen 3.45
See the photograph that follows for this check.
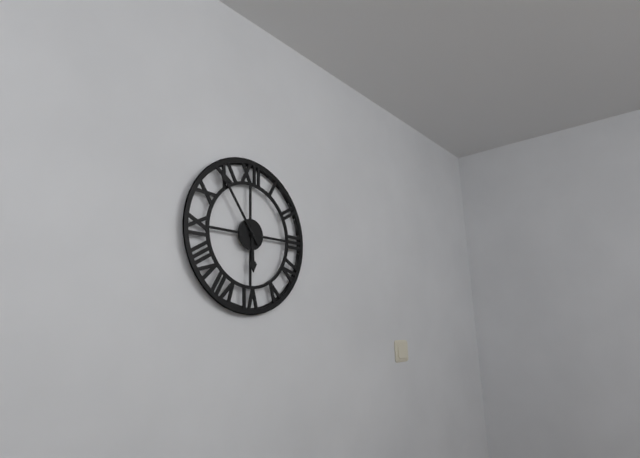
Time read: 5.54
